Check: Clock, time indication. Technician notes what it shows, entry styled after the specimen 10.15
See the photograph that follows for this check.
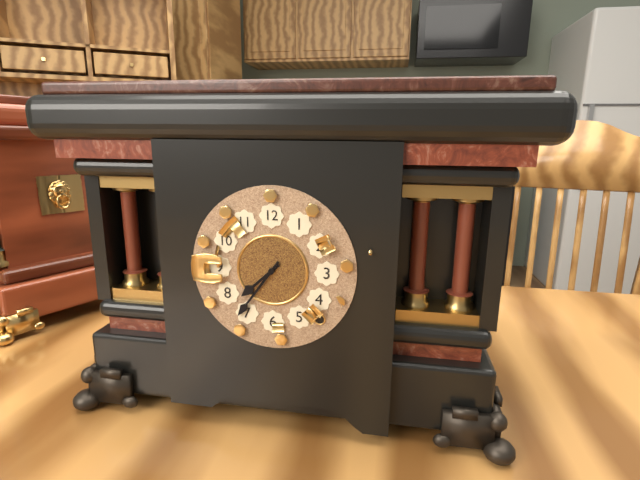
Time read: 7.36
